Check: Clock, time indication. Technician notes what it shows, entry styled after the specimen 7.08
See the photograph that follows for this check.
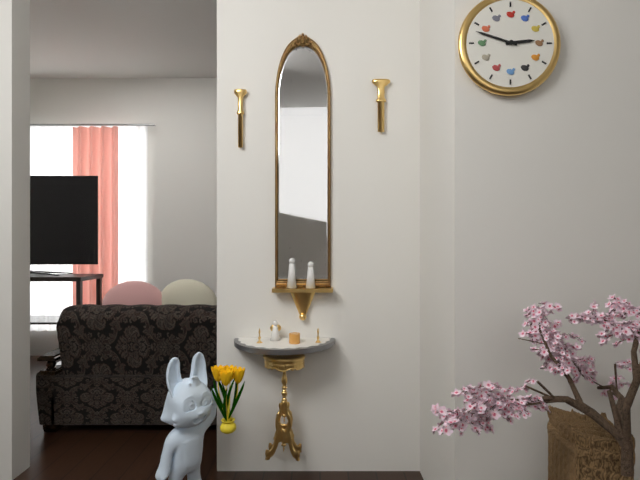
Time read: 2.48
